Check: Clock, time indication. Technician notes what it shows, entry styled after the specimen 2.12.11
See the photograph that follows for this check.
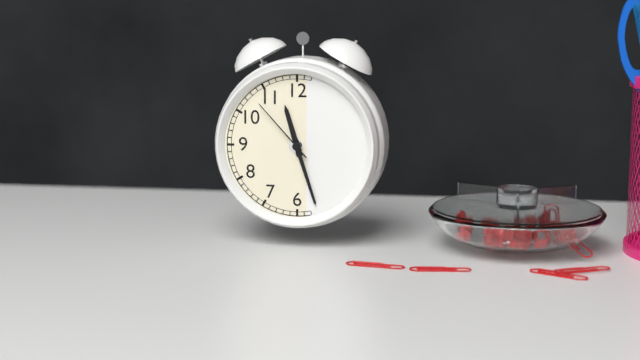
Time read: 11.27.53
